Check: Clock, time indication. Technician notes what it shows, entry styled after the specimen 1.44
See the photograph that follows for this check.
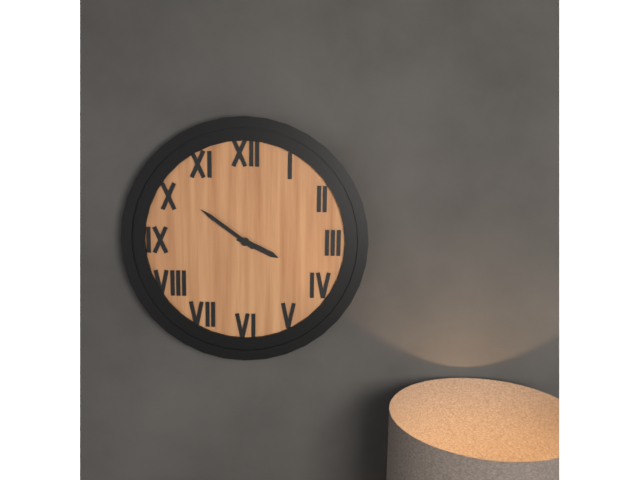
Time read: 3.51
